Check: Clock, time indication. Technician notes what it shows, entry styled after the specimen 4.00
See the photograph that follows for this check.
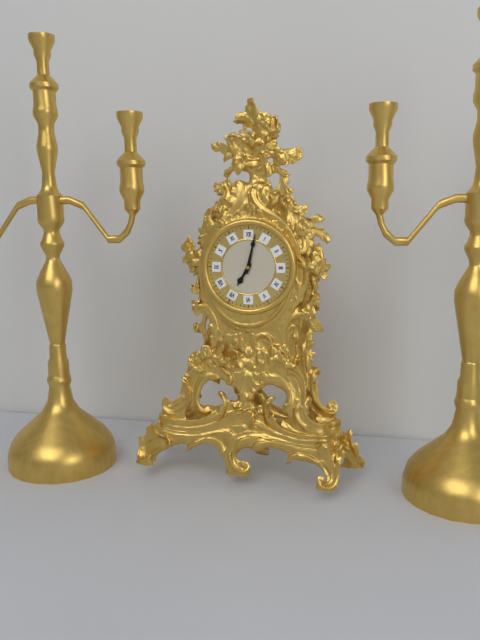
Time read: 7.02
